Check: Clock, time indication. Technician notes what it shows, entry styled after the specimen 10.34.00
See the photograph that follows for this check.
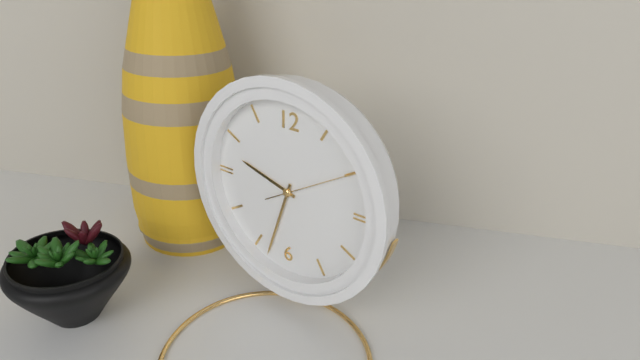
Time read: 9.33.10
